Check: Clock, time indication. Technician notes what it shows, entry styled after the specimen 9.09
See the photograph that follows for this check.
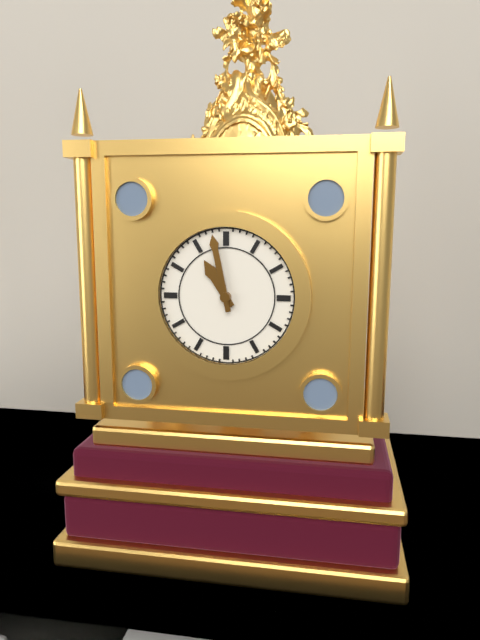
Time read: 10.58
